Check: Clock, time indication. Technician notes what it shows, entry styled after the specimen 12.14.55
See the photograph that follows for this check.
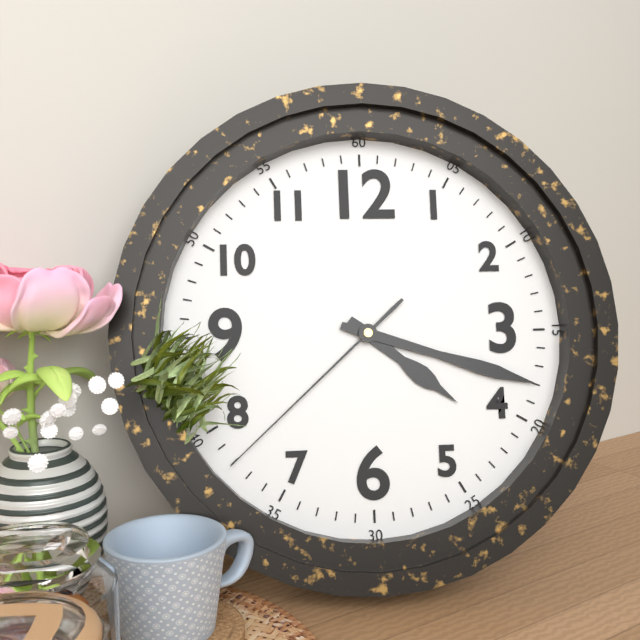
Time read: 4.18.38
